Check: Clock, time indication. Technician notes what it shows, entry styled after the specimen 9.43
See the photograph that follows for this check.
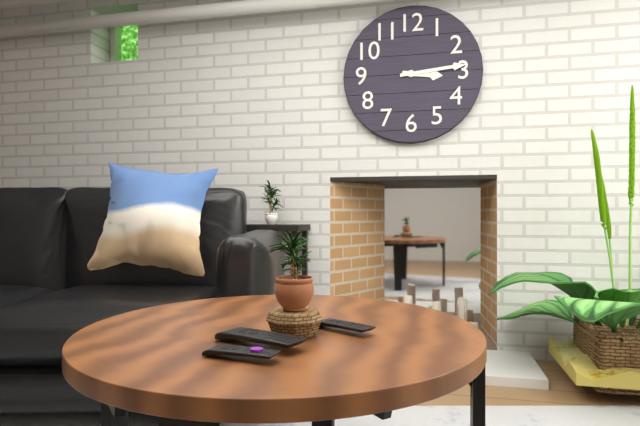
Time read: 3.14
